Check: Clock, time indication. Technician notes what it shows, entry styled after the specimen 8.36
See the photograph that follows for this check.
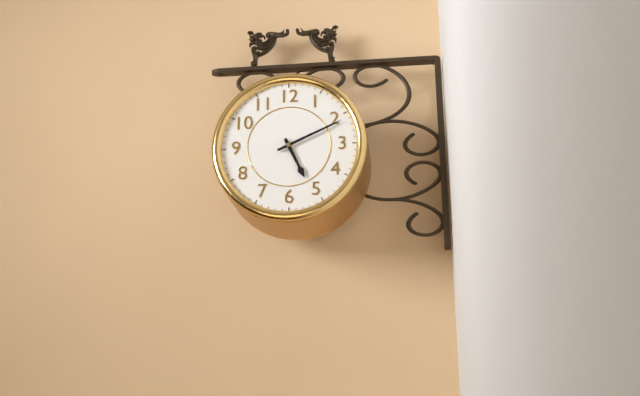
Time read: 5.11
